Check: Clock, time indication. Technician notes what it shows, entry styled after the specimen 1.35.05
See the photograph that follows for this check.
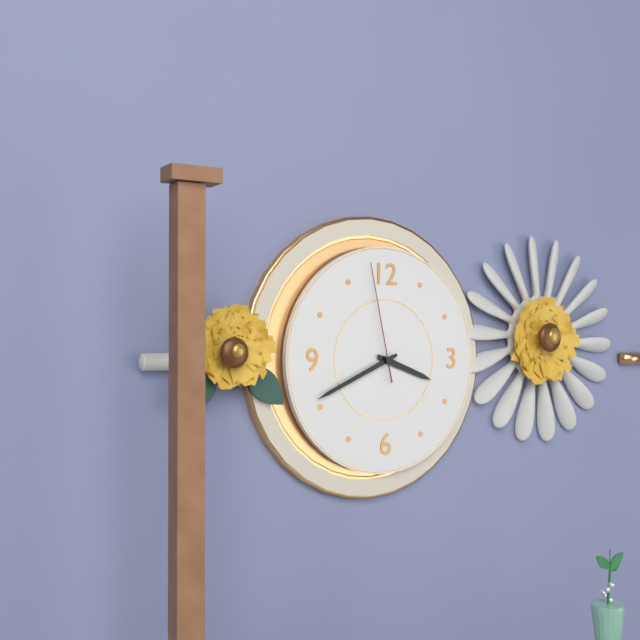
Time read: 3.41.58
